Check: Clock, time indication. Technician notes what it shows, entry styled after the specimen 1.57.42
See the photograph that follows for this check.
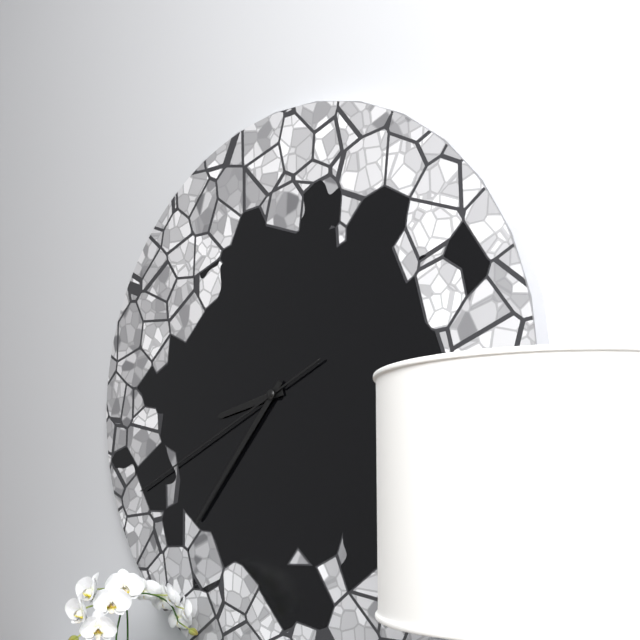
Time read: 8.37.41
